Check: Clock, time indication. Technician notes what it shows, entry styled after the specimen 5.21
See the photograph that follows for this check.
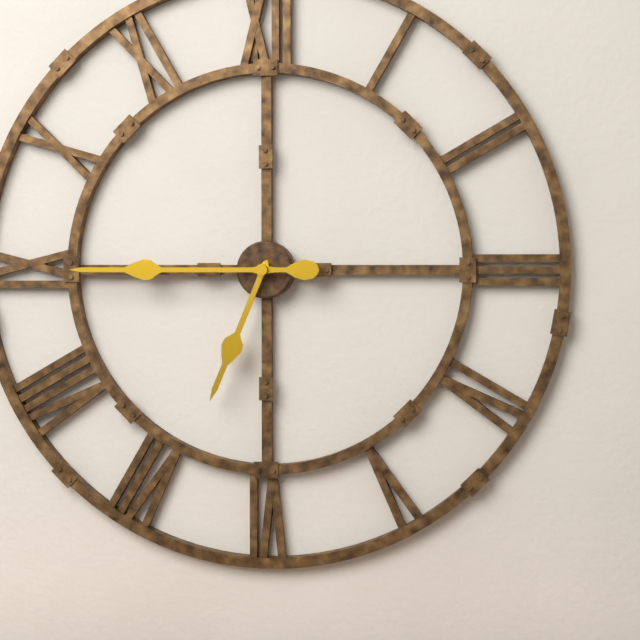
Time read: 6.45
